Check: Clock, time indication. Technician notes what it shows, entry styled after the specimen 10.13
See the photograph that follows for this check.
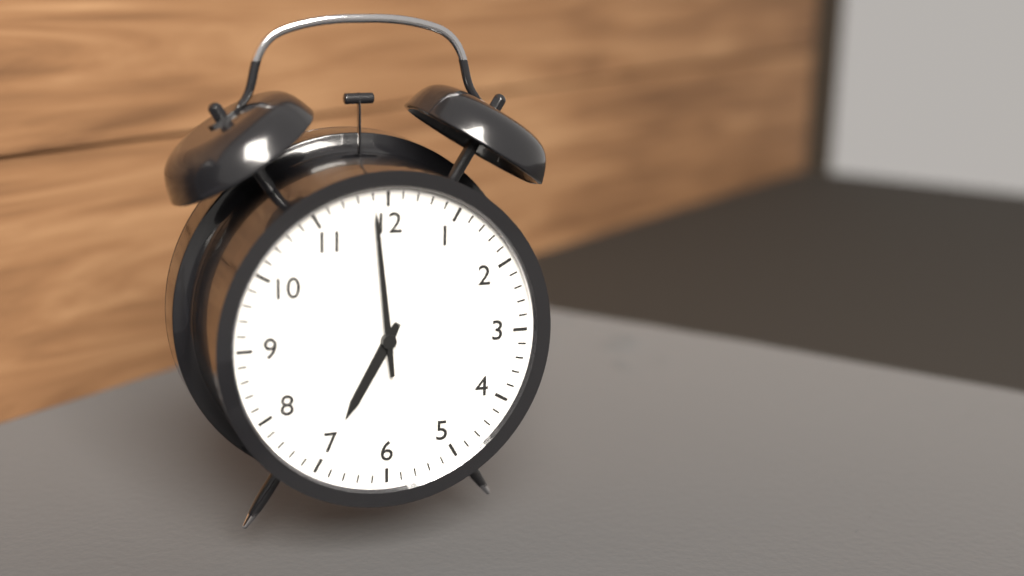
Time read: 6.59
